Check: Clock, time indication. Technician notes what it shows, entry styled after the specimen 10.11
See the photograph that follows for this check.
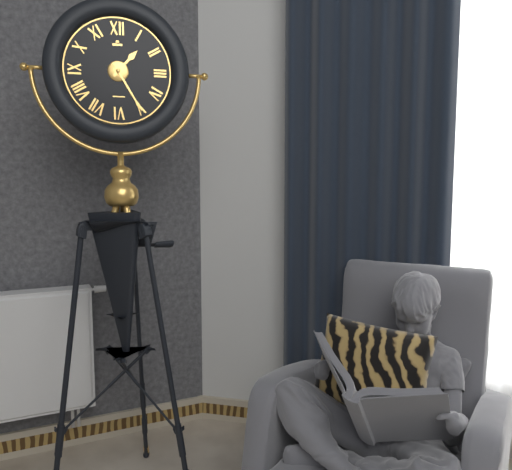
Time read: 1.25
